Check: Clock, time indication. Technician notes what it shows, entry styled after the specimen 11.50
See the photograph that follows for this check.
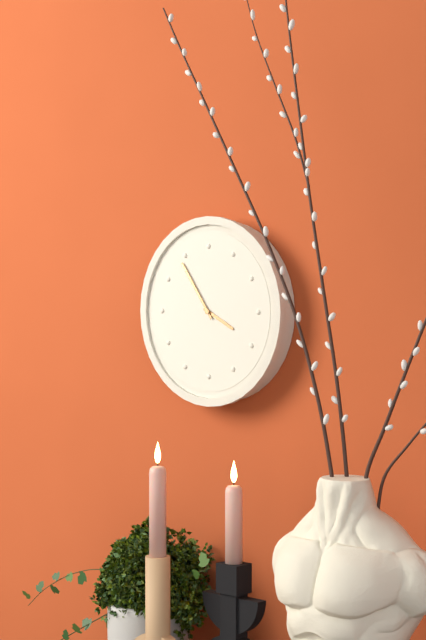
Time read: 3.54
